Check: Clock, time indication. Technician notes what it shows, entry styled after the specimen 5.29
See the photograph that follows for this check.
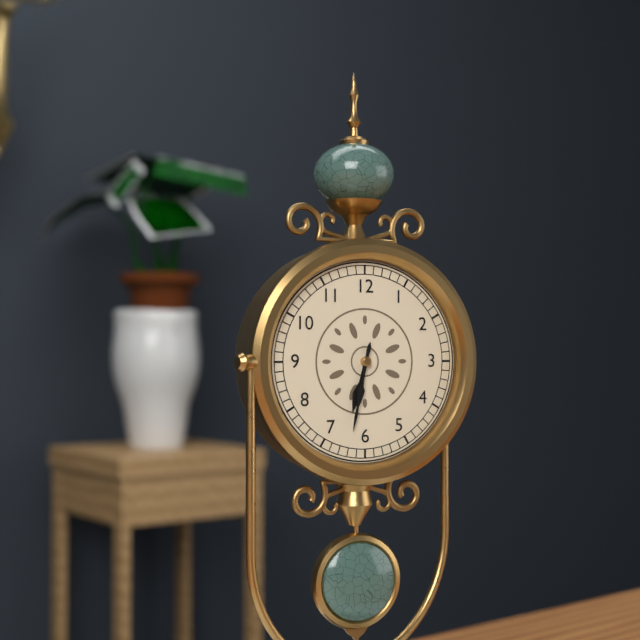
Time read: 6.32
